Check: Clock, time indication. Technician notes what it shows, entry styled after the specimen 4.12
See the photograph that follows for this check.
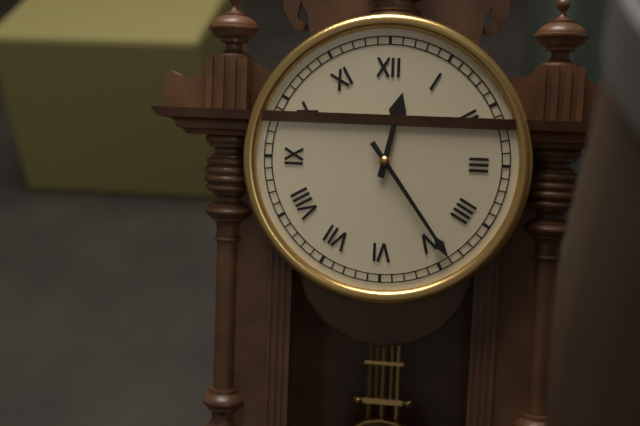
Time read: 12.24
